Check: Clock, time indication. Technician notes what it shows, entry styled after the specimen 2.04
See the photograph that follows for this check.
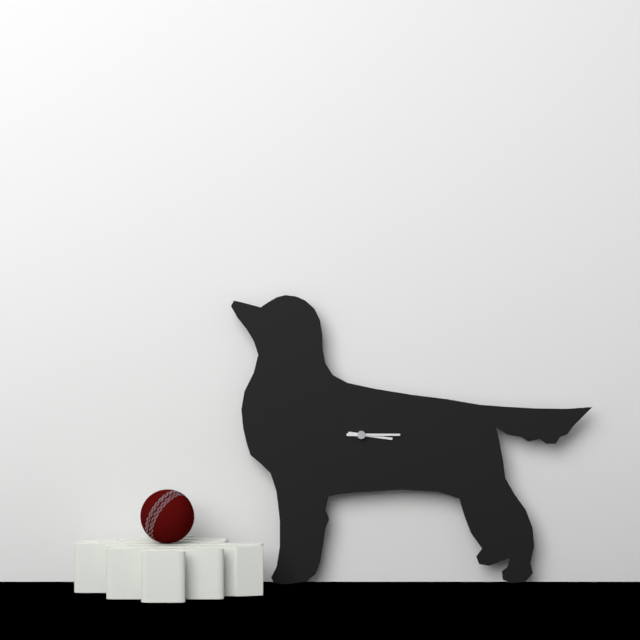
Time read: 3.15
